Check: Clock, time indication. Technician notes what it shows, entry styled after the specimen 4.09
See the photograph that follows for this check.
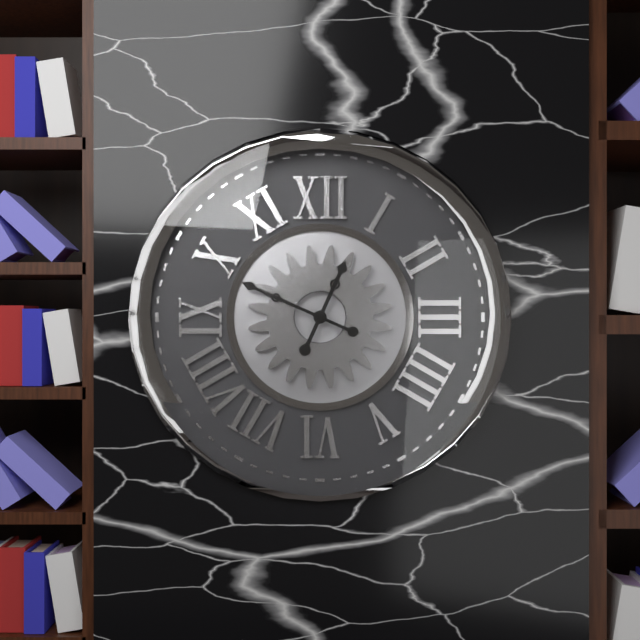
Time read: 12.49
